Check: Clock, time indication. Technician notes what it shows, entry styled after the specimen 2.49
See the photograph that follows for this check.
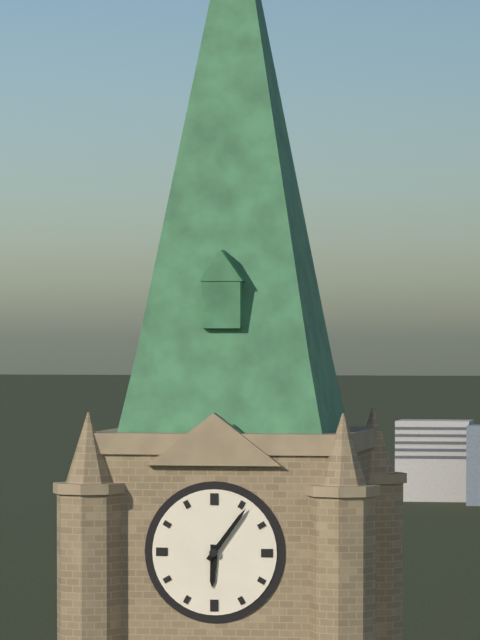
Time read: 6.06
